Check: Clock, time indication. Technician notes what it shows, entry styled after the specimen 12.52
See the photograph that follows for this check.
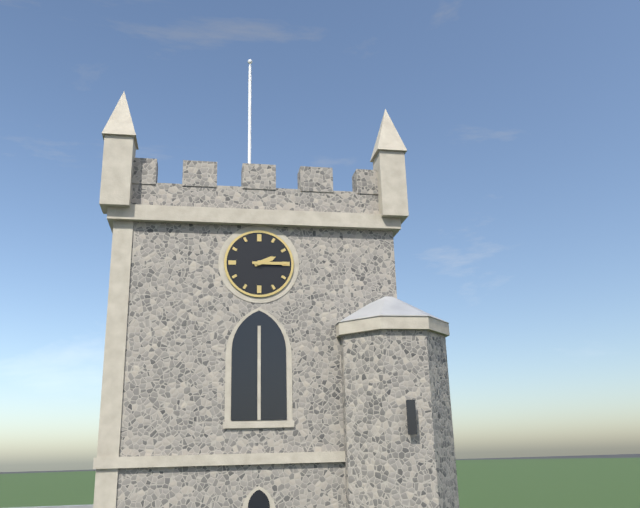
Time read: 2.15
